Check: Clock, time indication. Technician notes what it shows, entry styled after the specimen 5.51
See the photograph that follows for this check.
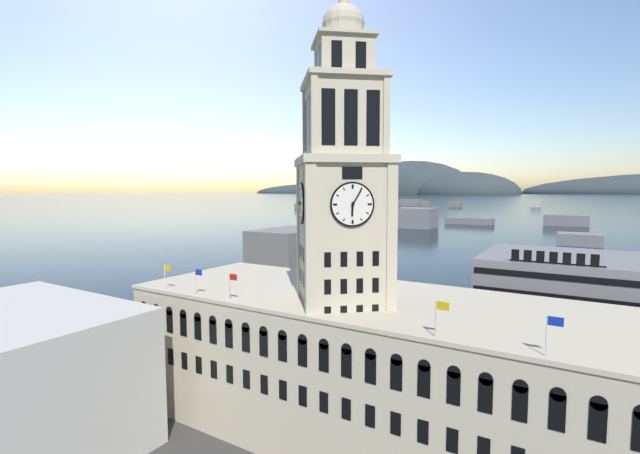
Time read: 6.05
